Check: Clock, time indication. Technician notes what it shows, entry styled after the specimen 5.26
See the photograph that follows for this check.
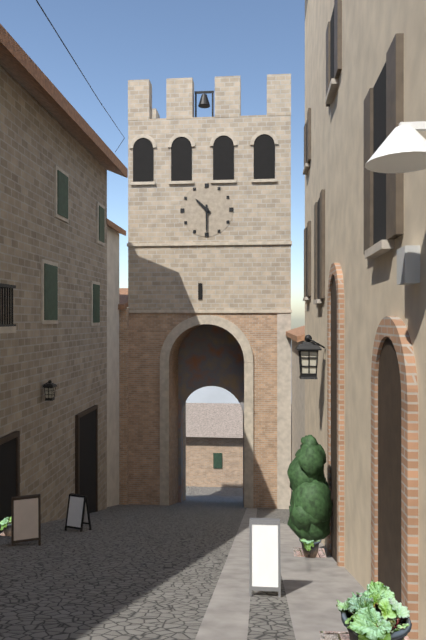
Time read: 10.30
